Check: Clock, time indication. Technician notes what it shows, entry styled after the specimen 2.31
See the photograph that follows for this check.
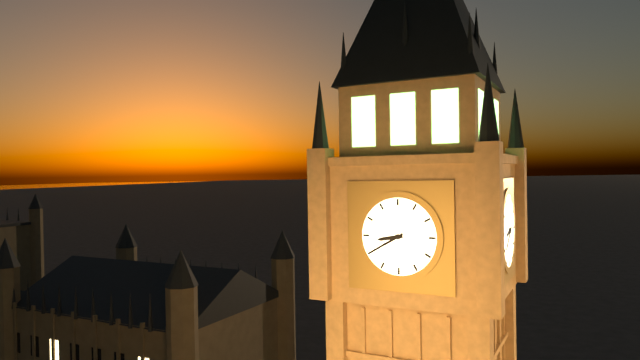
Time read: 8.40
